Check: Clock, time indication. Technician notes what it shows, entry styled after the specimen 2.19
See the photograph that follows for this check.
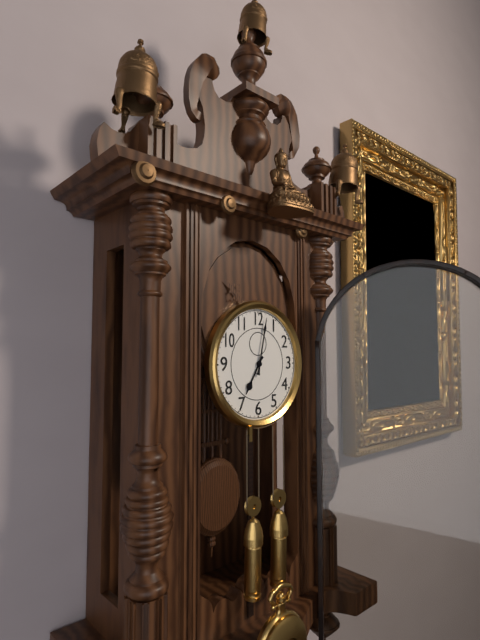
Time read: 7.02
